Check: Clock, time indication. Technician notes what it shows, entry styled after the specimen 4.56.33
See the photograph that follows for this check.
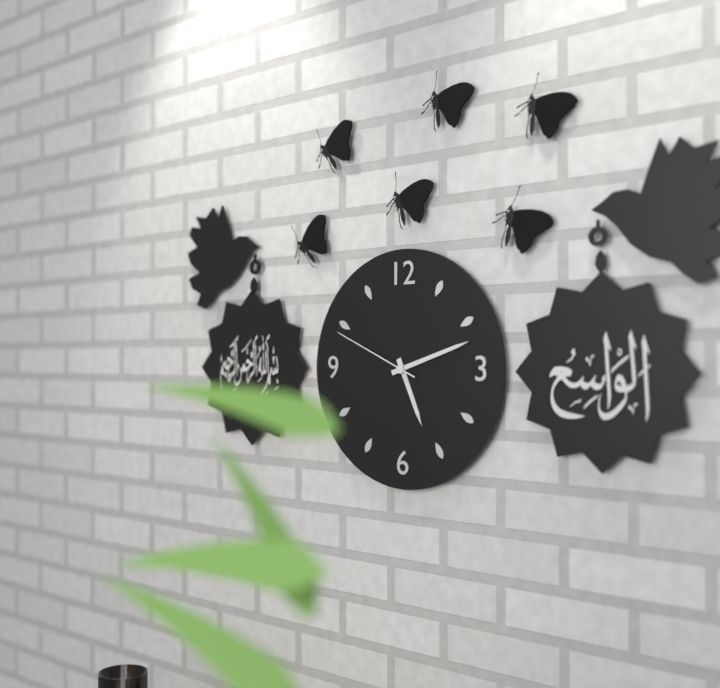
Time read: 5.12.49
